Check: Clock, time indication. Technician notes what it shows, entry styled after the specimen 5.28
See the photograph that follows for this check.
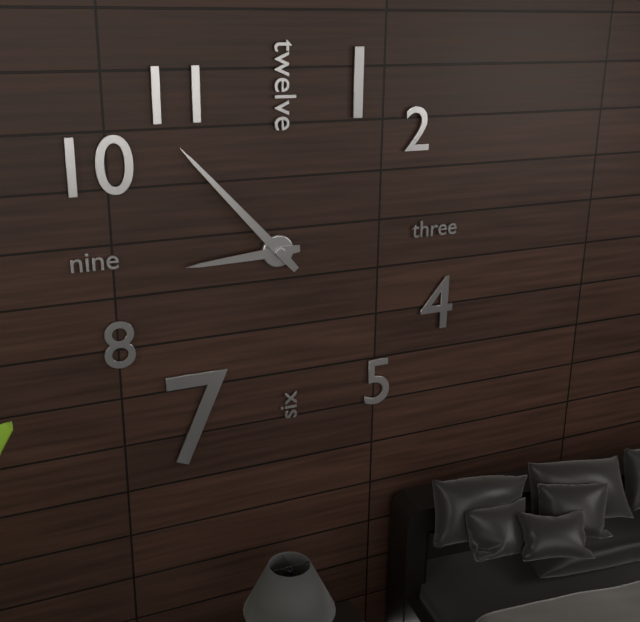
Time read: 8.53
